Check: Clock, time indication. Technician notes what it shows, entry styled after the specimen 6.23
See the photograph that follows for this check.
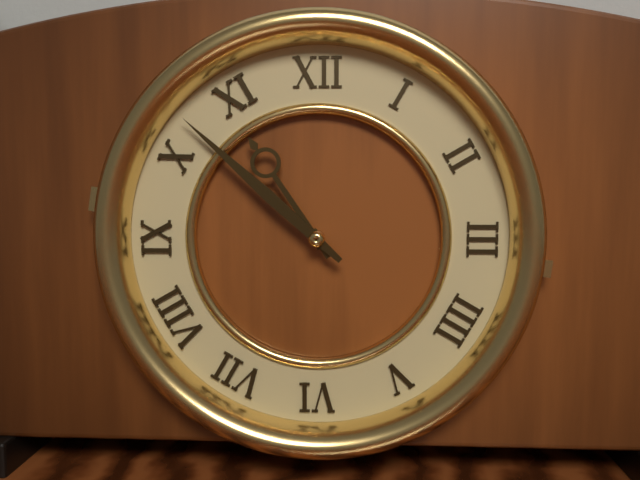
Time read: 10.52
